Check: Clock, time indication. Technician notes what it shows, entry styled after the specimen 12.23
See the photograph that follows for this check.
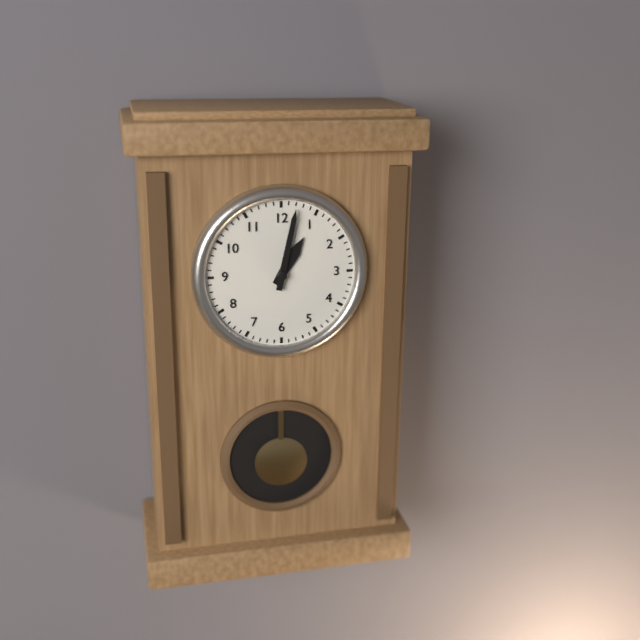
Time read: 1.02
